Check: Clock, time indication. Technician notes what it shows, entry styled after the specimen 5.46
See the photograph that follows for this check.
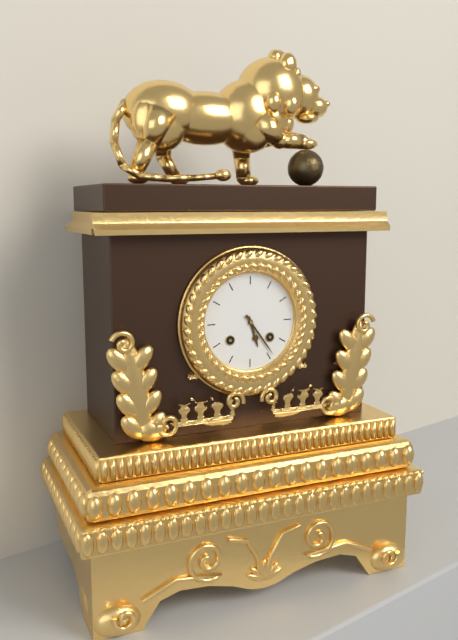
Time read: 5.24
